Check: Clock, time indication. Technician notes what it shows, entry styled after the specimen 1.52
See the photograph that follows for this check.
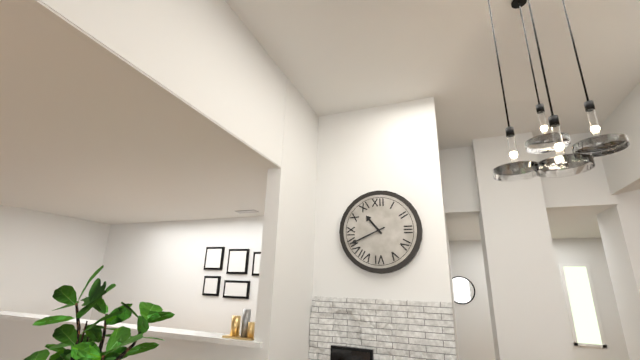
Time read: 10.41
